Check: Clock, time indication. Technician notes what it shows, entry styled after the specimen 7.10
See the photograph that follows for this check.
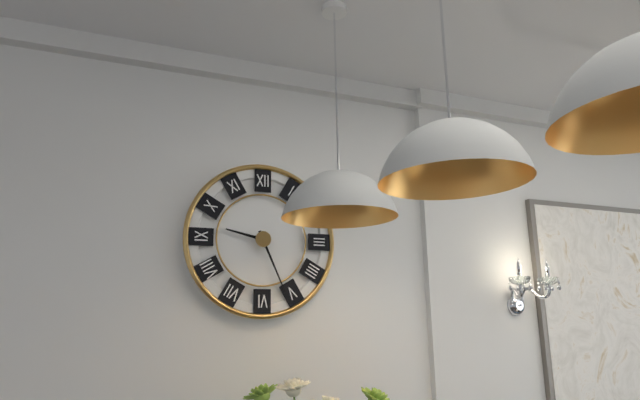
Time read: 9.26
